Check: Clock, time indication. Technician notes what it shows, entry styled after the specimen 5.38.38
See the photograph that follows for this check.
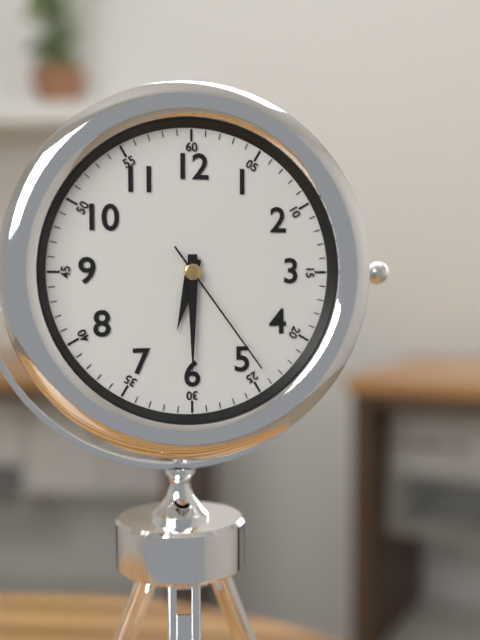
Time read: 6.30.24
